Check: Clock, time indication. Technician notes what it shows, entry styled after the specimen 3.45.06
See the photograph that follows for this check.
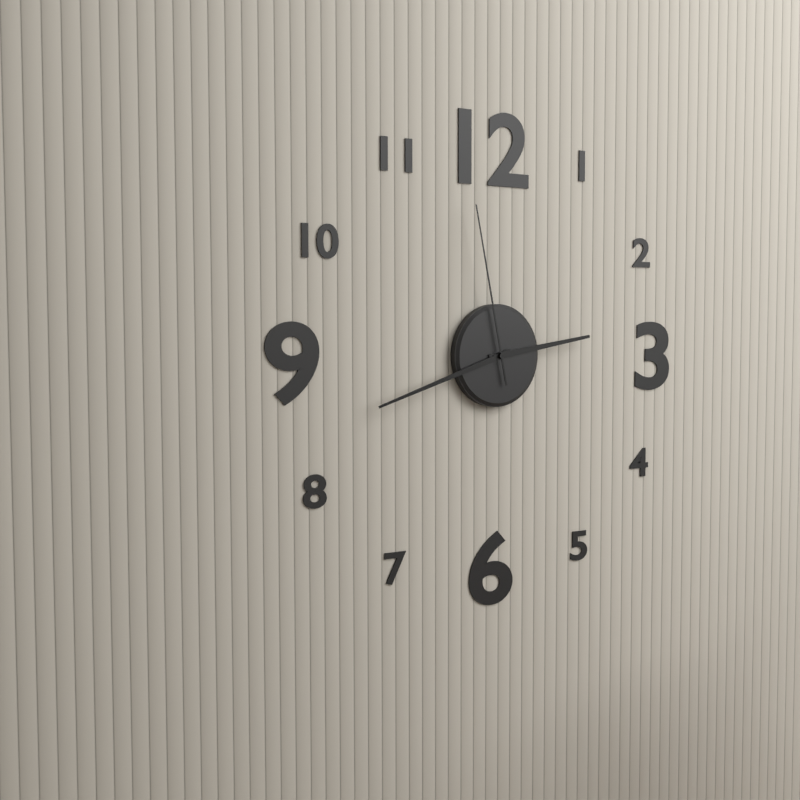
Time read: 2.42.58
